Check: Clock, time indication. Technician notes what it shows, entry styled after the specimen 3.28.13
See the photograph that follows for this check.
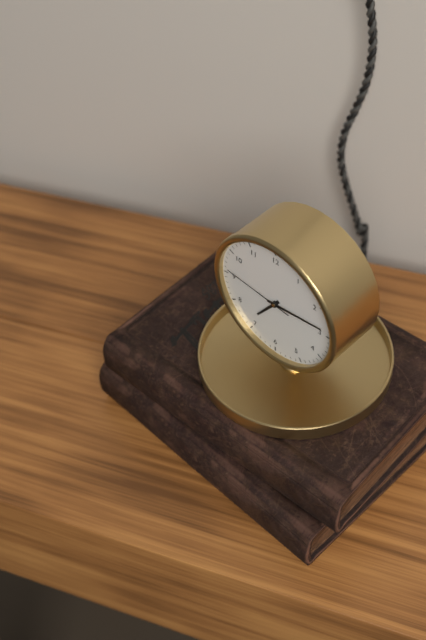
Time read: 7.14.46
